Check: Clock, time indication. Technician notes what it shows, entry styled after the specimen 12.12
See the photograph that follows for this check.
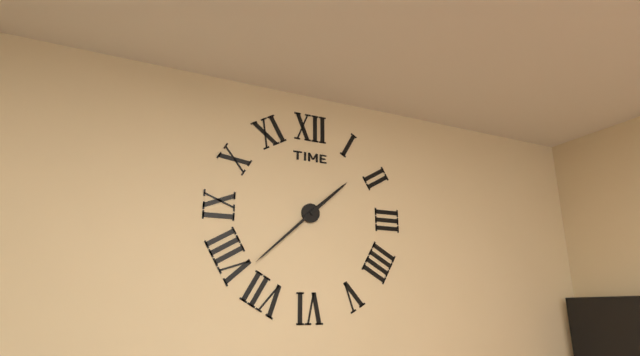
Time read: 1.38
